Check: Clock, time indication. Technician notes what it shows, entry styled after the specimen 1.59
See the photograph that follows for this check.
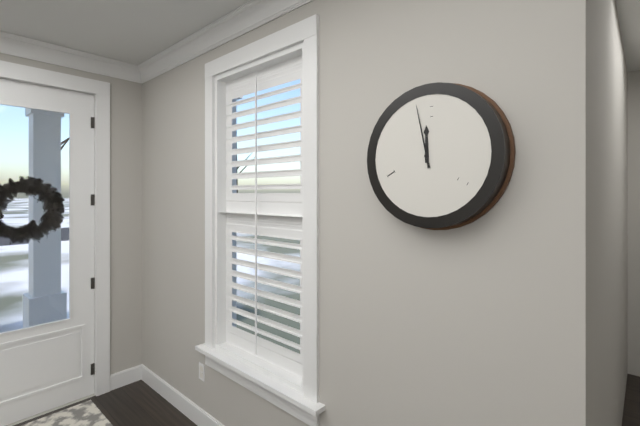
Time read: 11.58
